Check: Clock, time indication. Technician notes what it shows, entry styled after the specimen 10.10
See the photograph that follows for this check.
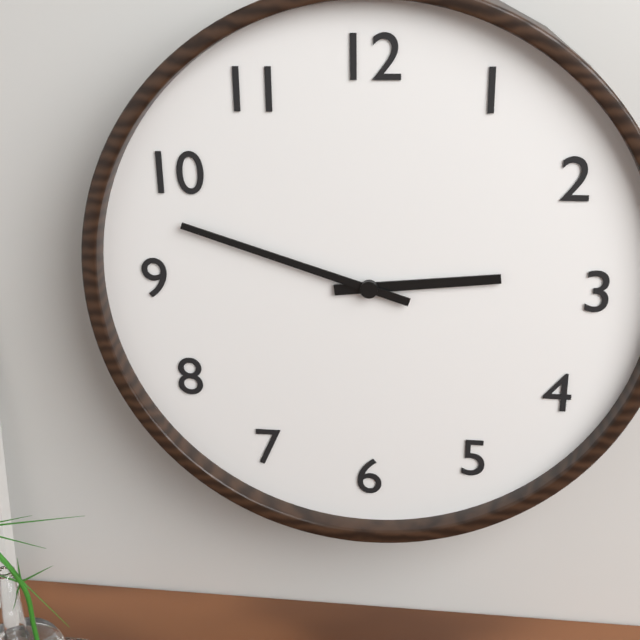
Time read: 2.48
